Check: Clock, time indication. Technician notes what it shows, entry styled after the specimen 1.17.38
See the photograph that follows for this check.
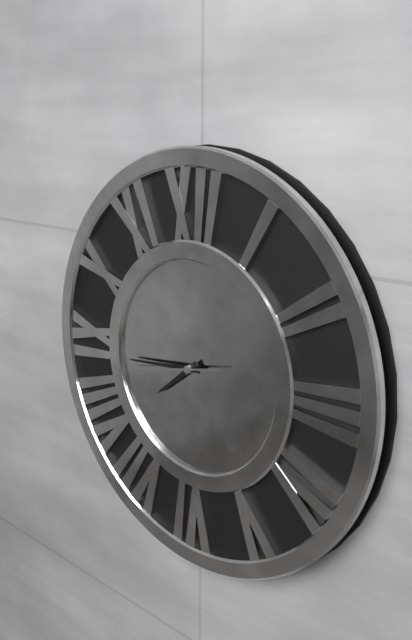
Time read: 7.44.43
